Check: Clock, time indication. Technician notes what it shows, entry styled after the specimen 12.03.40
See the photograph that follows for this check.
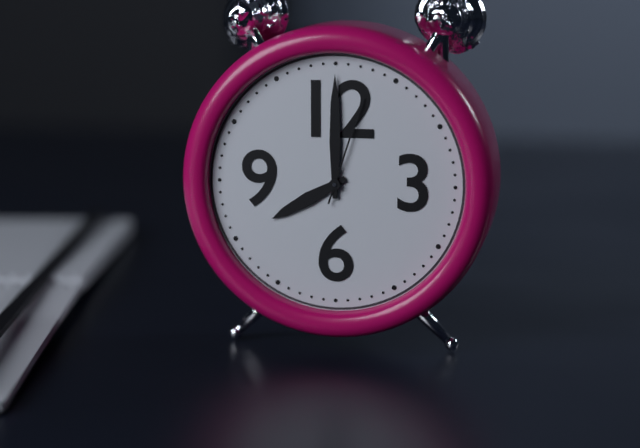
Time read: 8.00.03
